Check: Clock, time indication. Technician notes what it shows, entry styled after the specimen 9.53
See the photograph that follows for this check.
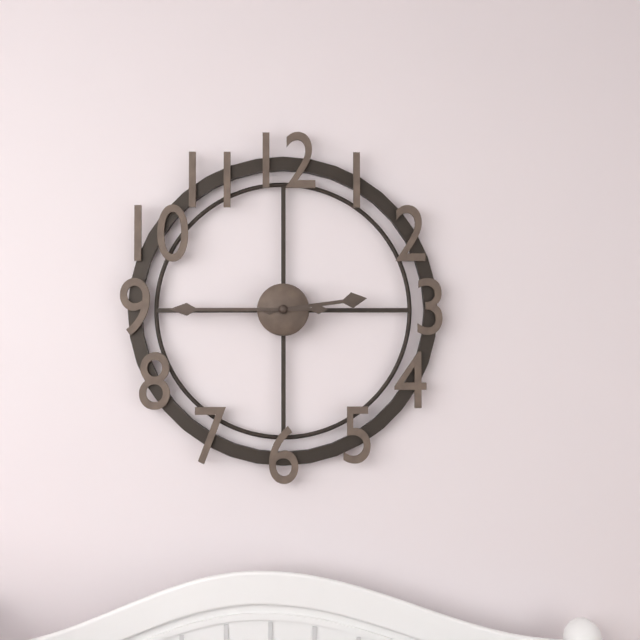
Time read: 2.45
